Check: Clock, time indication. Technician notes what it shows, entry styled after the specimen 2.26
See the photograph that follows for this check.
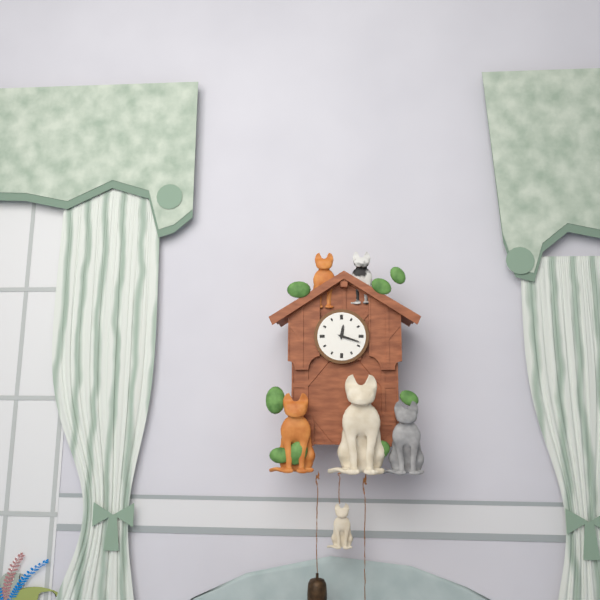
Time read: 12.18
